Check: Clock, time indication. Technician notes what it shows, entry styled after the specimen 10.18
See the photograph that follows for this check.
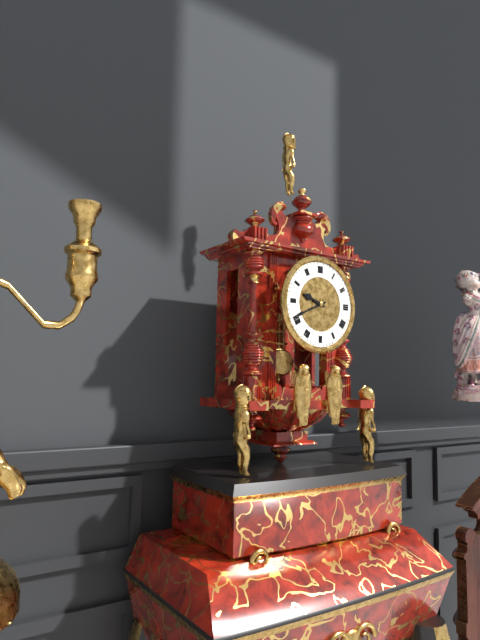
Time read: 9.41
